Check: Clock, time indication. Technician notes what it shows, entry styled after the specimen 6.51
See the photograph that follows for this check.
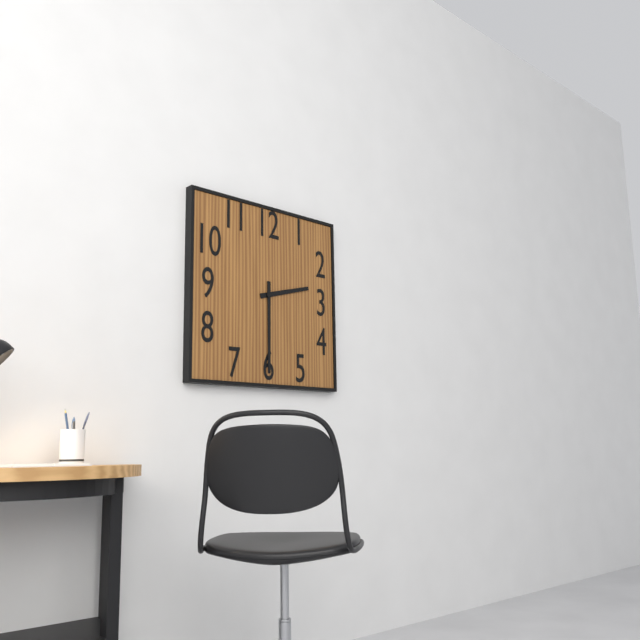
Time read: 2.30
